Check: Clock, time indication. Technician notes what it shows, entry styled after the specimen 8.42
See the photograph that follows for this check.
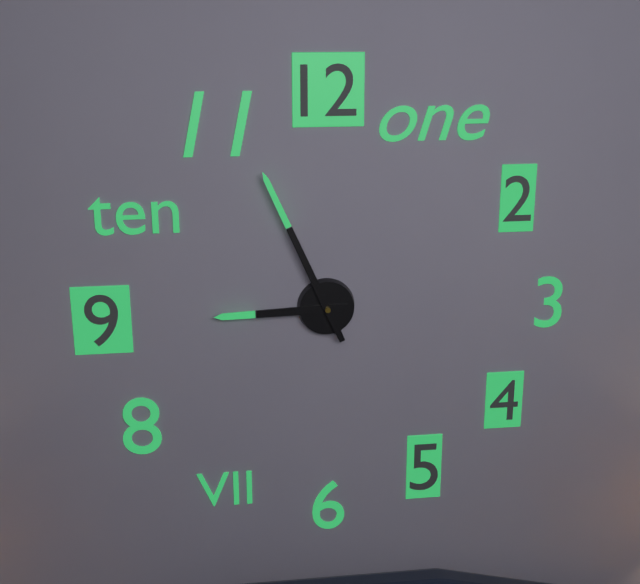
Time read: 8.56
